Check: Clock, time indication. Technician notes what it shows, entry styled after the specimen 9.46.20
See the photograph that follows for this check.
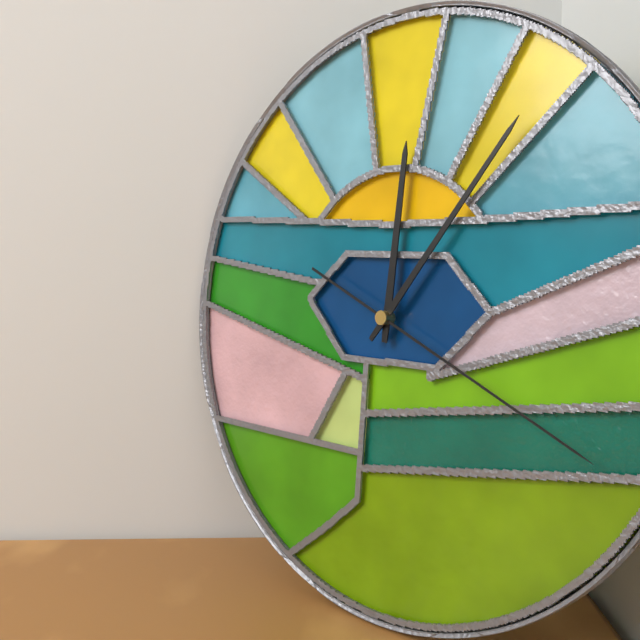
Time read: 12.06.19
